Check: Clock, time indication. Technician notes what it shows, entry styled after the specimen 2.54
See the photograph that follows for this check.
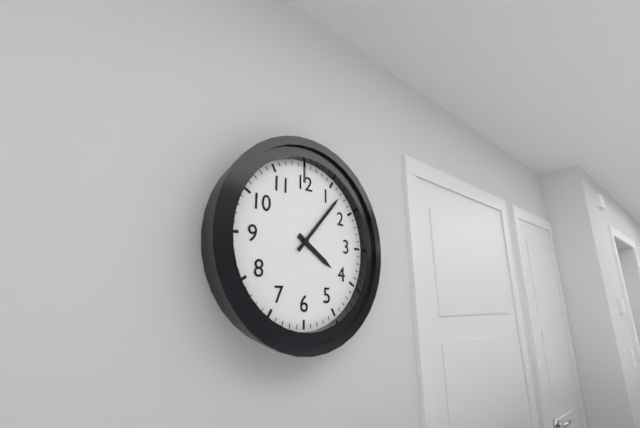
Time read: 4.07
